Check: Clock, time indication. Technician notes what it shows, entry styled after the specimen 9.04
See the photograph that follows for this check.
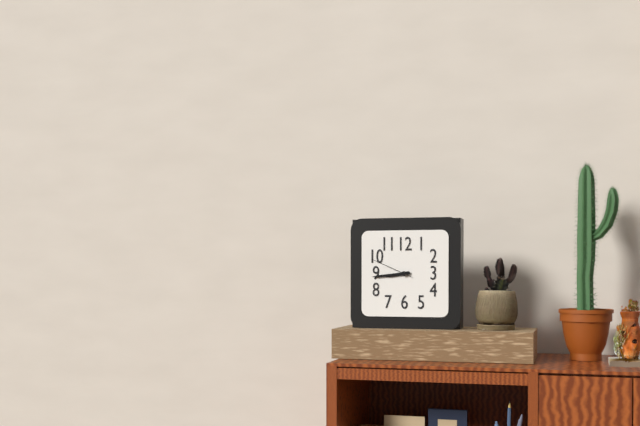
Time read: 8.44
